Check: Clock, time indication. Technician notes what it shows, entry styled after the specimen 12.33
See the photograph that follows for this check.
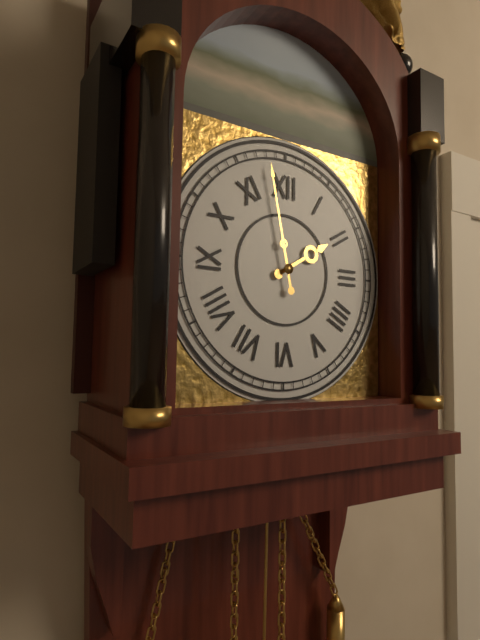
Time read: 1.58
